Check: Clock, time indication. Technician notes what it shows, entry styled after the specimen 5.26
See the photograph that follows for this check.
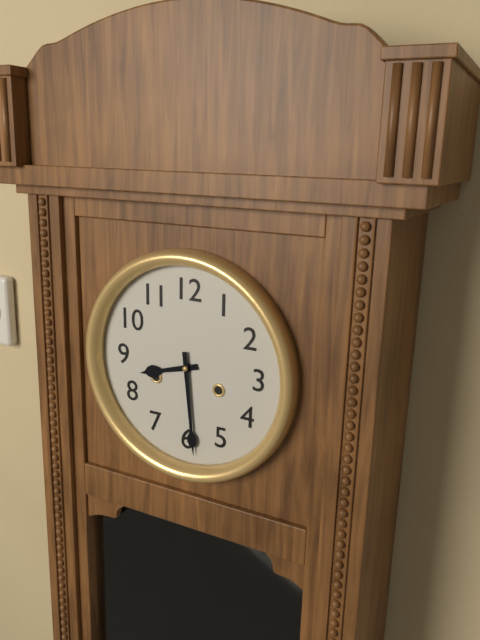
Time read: 8.29
